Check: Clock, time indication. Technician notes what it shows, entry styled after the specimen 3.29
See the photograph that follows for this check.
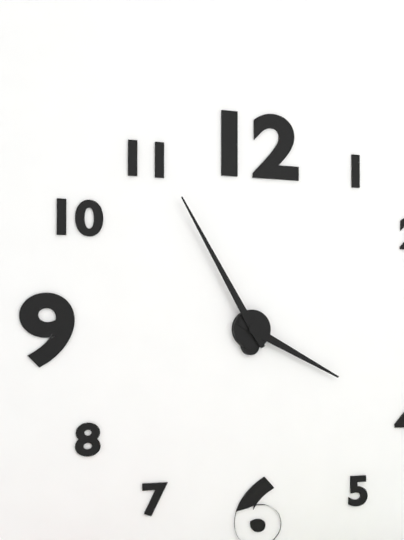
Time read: 3.55
